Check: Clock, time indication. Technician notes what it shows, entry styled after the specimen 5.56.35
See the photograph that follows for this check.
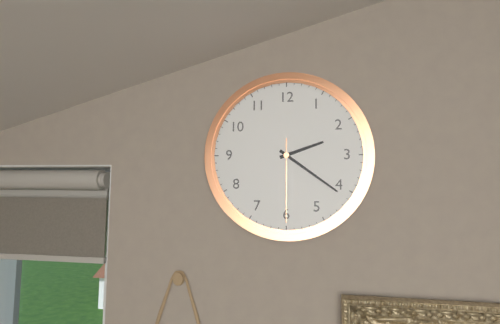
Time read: 2.21.30
